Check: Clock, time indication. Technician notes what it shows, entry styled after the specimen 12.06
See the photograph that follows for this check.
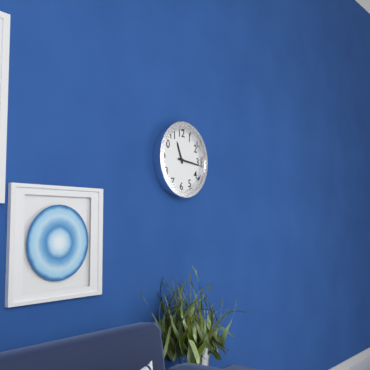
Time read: 11.16
